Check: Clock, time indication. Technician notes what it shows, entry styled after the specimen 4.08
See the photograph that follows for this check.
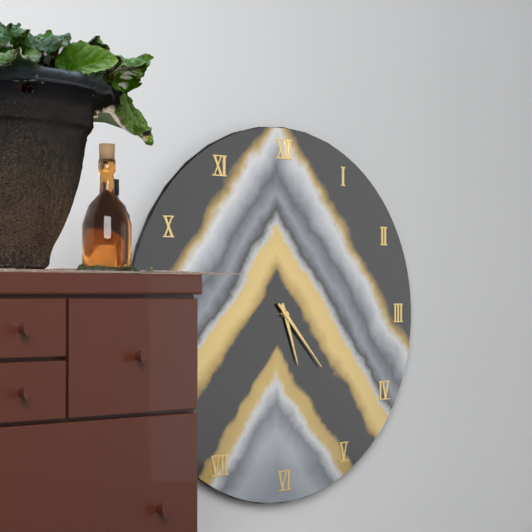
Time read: 5.23
